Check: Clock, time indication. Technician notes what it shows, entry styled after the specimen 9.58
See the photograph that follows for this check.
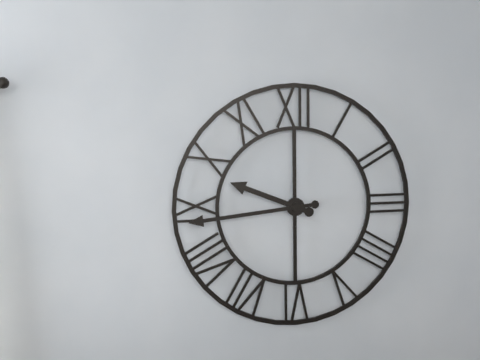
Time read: 9.44
